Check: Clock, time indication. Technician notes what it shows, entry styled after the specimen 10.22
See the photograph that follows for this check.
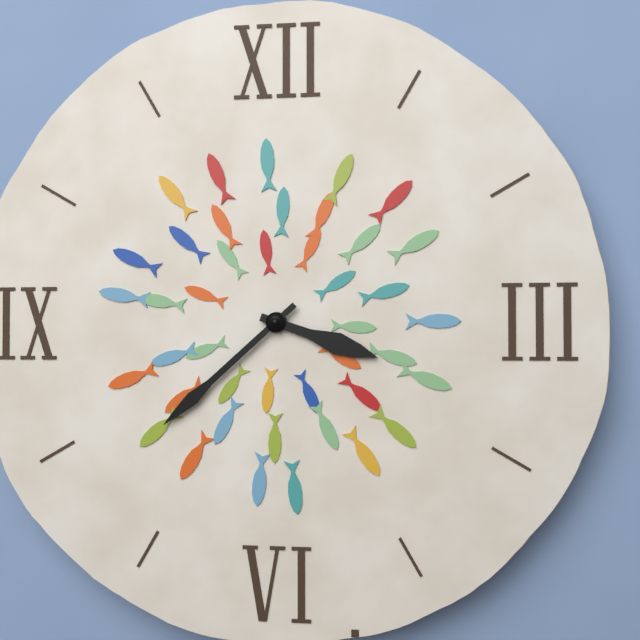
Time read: 3.38
